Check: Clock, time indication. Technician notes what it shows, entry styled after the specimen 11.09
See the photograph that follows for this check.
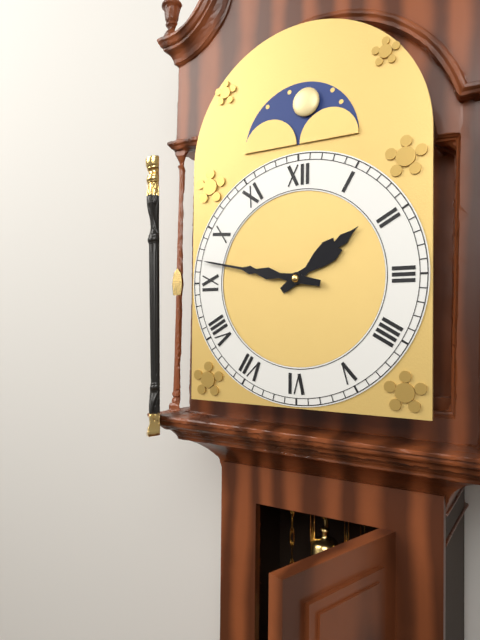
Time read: 1.47
